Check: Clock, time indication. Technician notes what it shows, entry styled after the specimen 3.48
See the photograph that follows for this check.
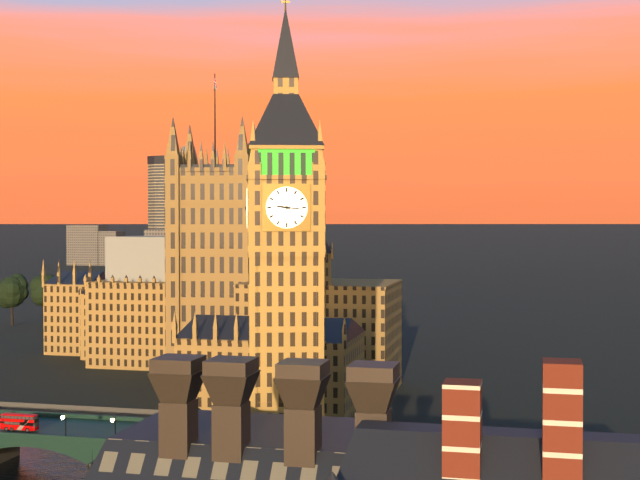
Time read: 9.16
